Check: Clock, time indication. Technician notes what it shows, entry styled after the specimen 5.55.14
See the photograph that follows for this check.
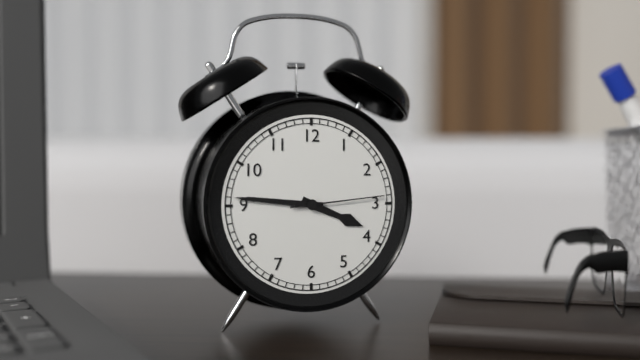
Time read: 3.46.14
